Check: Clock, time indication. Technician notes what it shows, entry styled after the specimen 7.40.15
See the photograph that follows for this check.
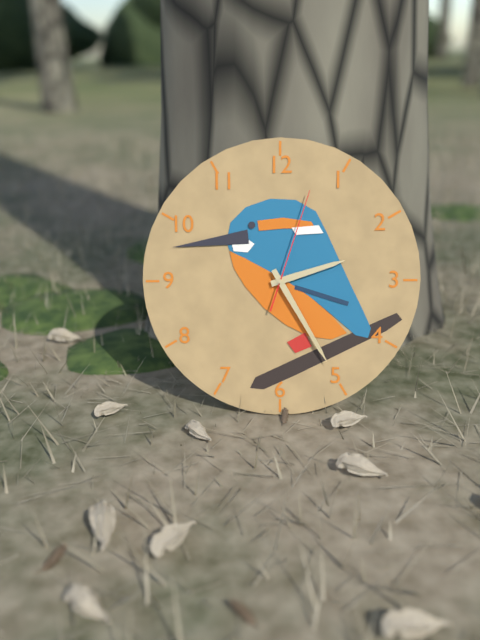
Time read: 2.25.03
